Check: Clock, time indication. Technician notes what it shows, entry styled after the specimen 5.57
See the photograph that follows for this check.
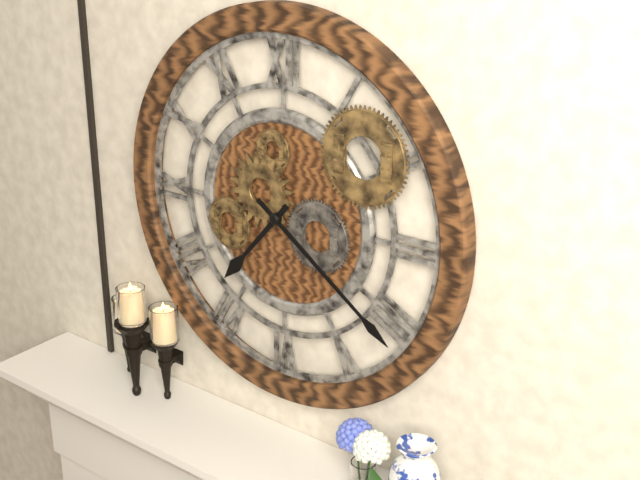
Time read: 7.21
